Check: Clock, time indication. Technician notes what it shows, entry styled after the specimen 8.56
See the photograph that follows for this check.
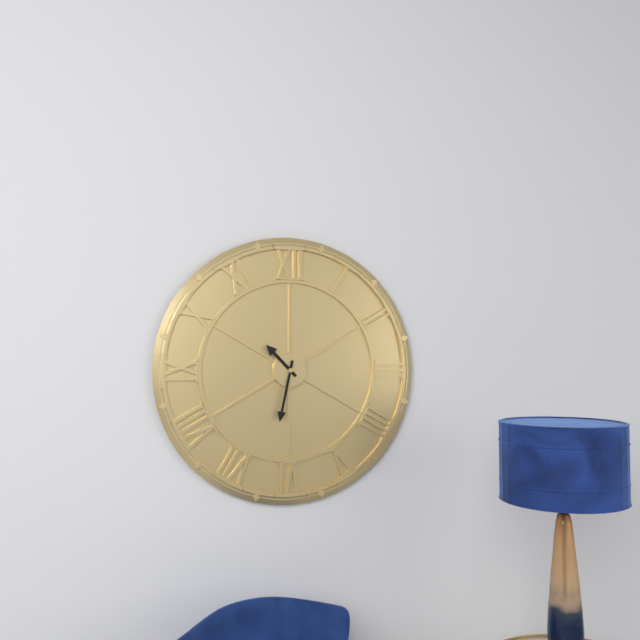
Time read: 10.32
